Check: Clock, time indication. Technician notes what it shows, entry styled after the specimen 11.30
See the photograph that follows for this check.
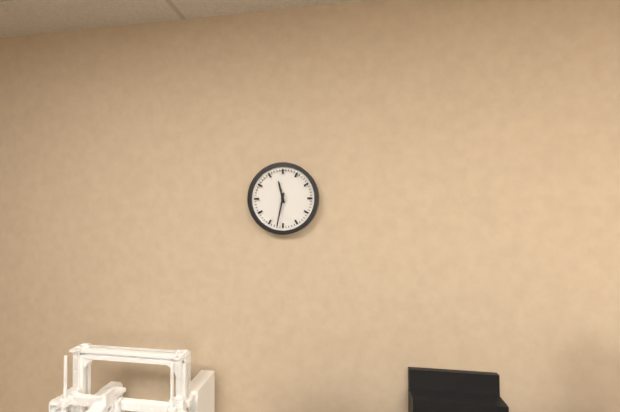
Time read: 11.32
